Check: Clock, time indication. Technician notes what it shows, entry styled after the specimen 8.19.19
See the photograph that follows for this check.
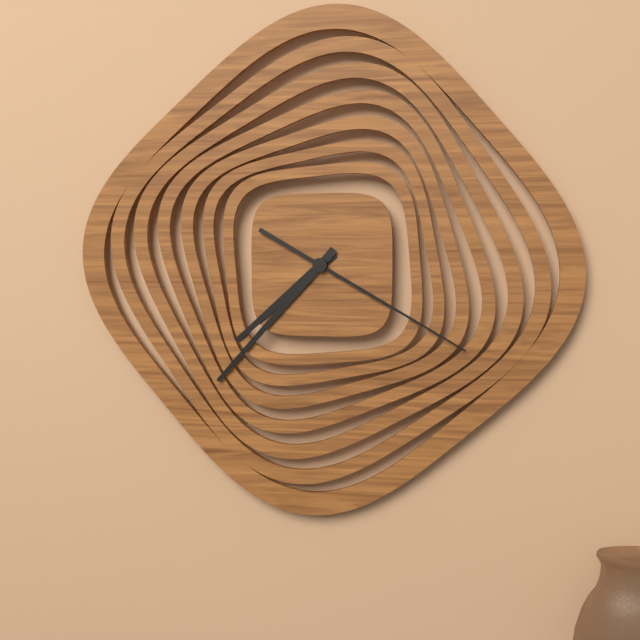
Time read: 7.37.20
